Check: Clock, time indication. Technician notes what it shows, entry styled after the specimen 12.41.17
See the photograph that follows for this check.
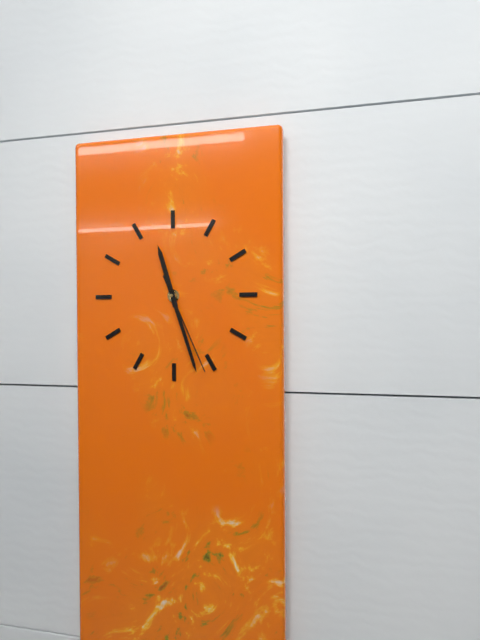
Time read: 11.27.26
